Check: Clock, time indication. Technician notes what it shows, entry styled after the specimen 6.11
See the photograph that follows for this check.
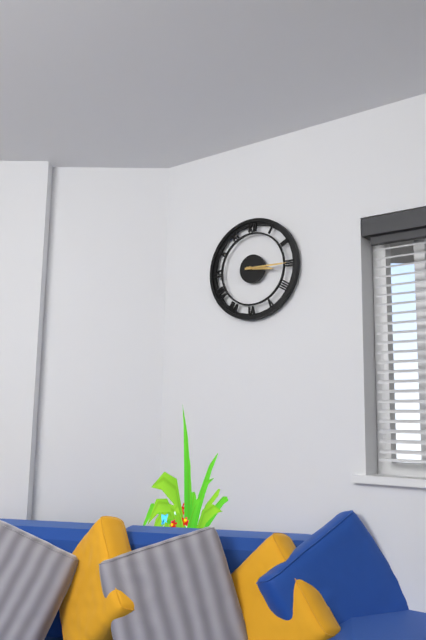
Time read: 3.15
